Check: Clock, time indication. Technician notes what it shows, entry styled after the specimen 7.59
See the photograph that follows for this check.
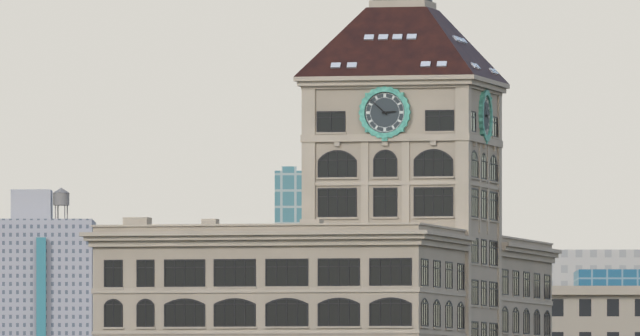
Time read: 2.52
